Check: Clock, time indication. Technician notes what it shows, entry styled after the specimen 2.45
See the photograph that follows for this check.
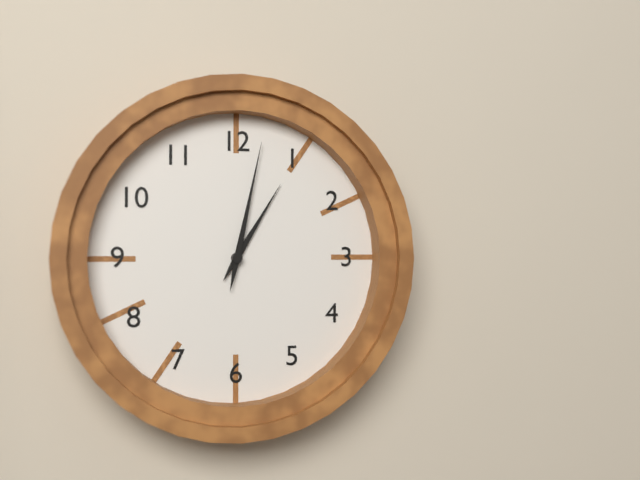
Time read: 1.02
